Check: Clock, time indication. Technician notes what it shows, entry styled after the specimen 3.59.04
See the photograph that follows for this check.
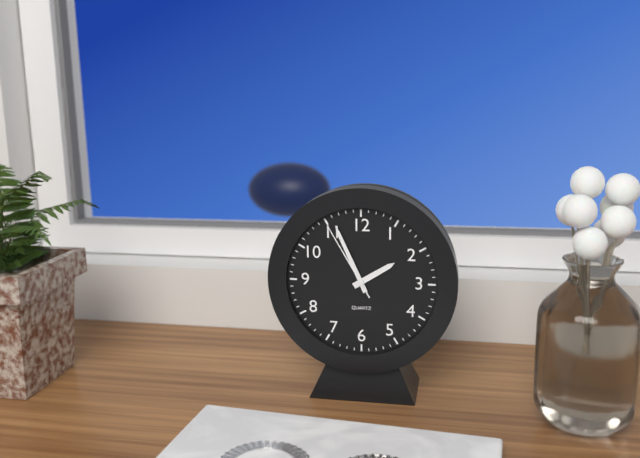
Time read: 1.56.55
